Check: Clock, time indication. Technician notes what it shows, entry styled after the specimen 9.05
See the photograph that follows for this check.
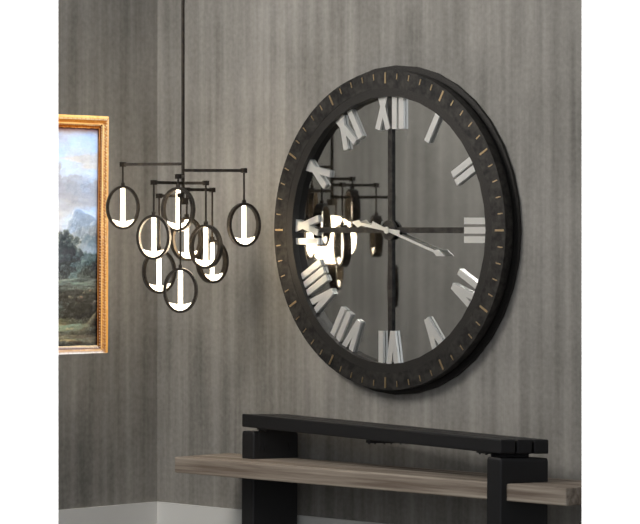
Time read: 9.18
